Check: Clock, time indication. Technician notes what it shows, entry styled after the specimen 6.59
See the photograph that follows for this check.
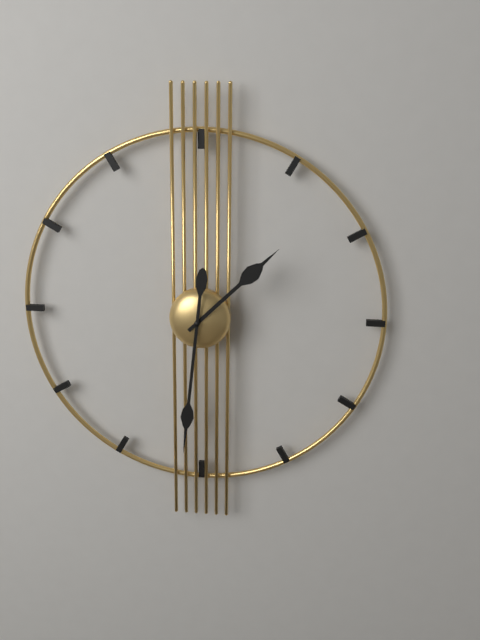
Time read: 1.31
